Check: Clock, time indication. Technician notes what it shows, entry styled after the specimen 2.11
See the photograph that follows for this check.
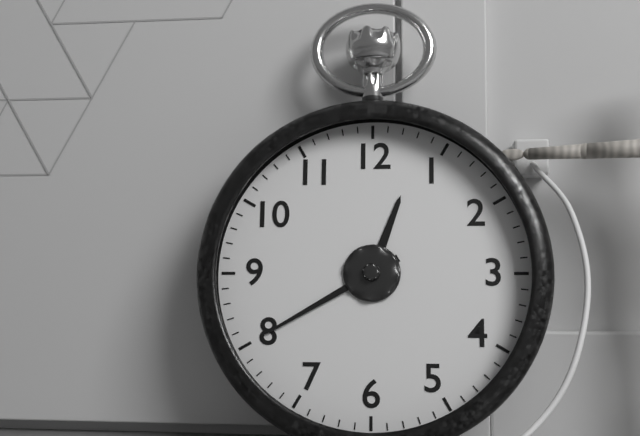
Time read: 12.40
